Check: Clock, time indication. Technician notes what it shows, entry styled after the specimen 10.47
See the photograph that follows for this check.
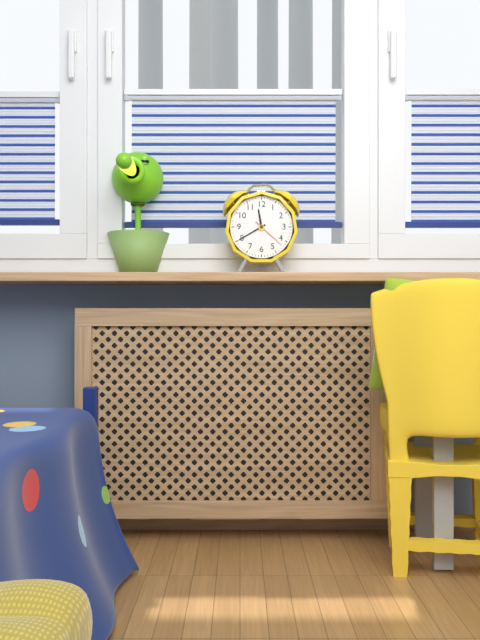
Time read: 11.40
